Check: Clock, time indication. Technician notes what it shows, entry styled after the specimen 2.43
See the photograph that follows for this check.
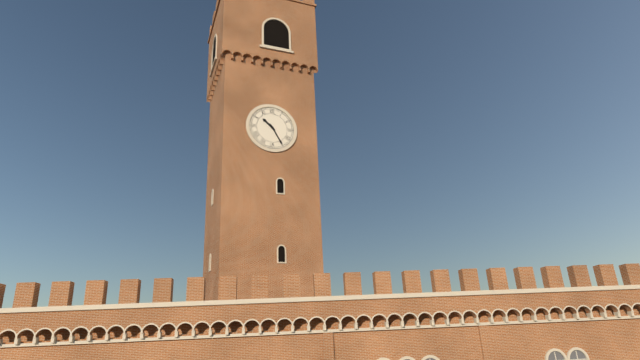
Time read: 10.25
